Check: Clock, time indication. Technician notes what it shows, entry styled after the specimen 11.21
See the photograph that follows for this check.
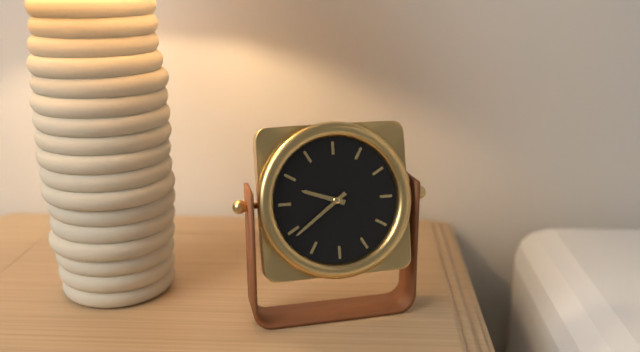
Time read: 9.39
